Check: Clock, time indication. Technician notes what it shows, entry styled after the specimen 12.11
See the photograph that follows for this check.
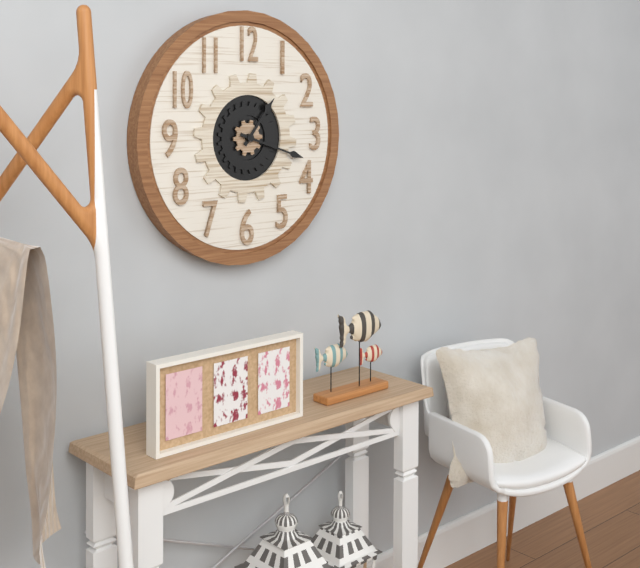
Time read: 1.18
